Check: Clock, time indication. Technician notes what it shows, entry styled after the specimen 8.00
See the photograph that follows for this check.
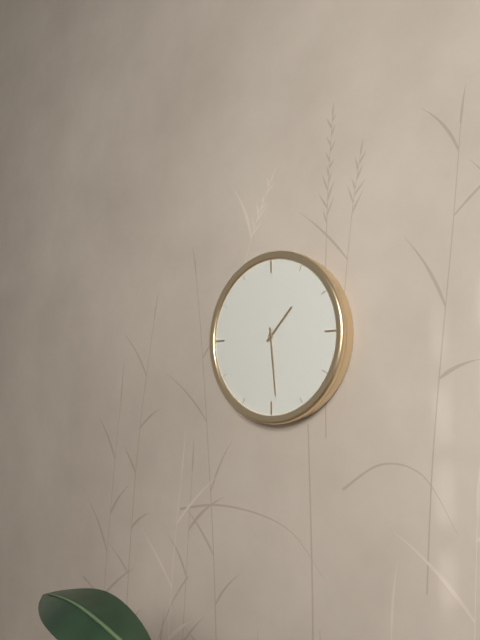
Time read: 1.29
